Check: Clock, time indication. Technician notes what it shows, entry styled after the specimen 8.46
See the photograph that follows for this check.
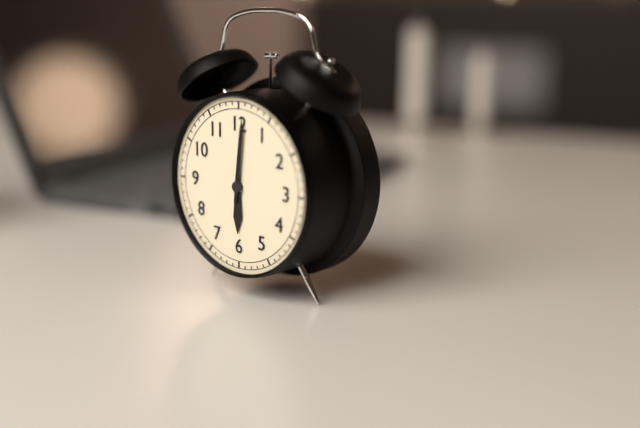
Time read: 6.01
